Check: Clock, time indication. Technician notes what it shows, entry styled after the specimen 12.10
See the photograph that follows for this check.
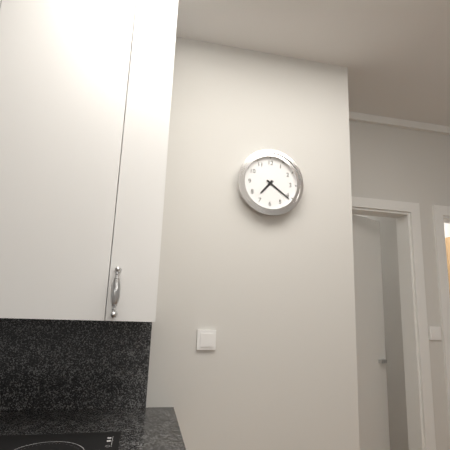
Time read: 7.21
